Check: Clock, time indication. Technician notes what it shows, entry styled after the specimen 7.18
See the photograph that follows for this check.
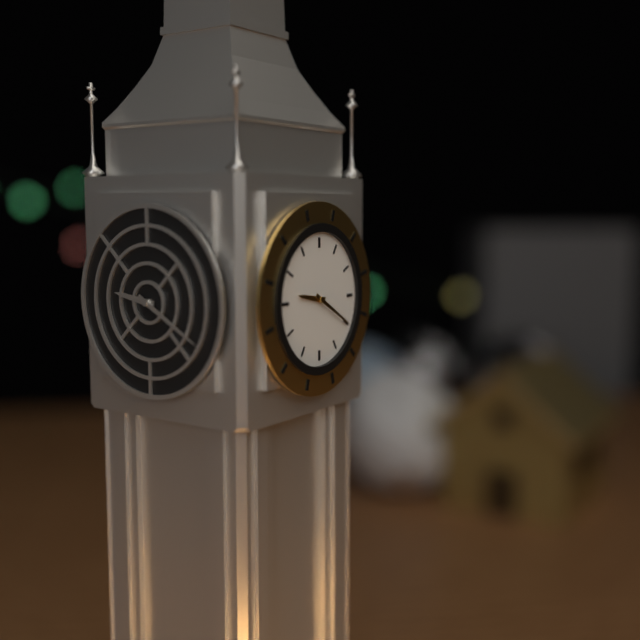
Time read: 9.20
